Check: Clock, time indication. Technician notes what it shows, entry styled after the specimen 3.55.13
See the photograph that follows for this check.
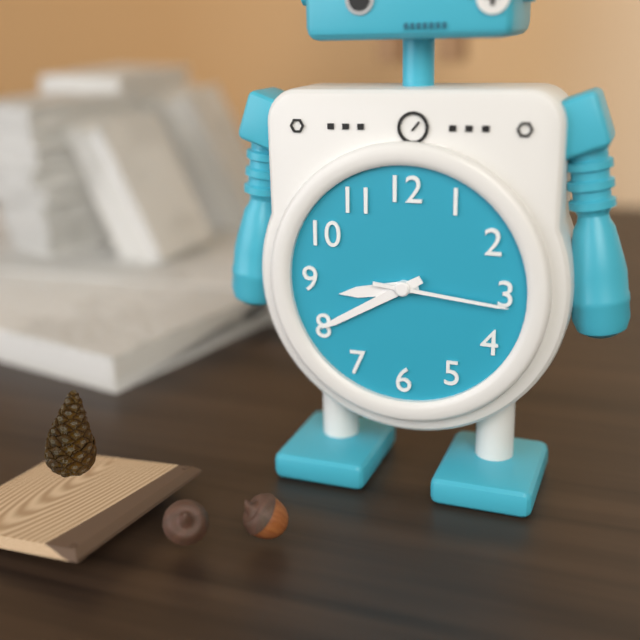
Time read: 8.40.16
